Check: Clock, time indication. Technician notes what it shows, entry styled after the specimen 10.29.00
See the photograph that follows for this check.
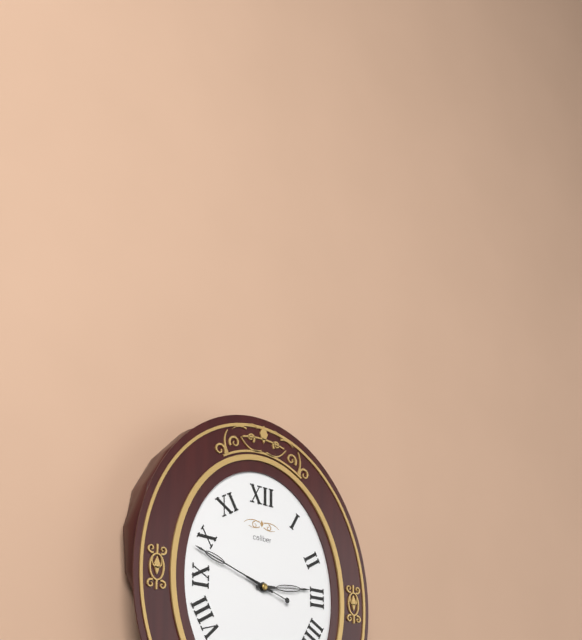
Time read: 2.48.48
